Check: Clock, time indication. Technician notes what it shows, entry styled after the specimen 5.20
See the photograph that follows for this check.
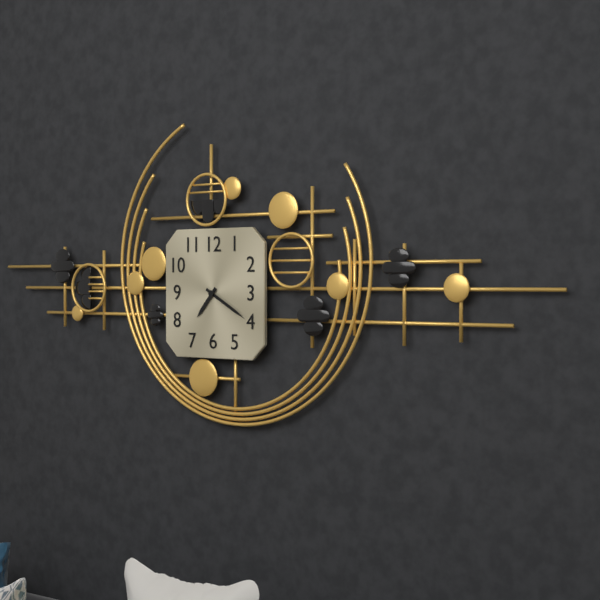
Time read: 7.20
